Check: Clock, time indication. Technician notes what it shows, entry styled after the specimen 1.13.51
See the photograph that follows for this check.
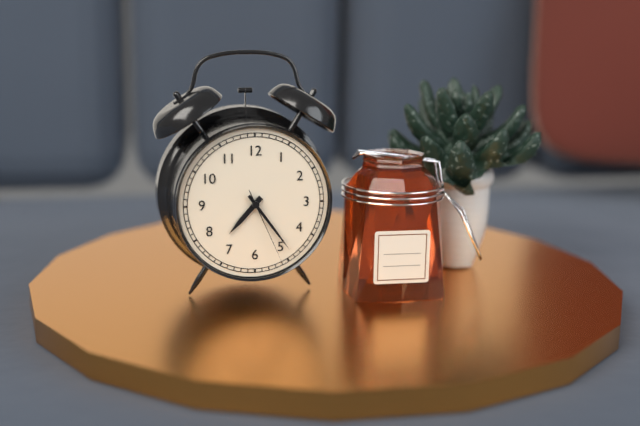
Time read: 7.24.26
